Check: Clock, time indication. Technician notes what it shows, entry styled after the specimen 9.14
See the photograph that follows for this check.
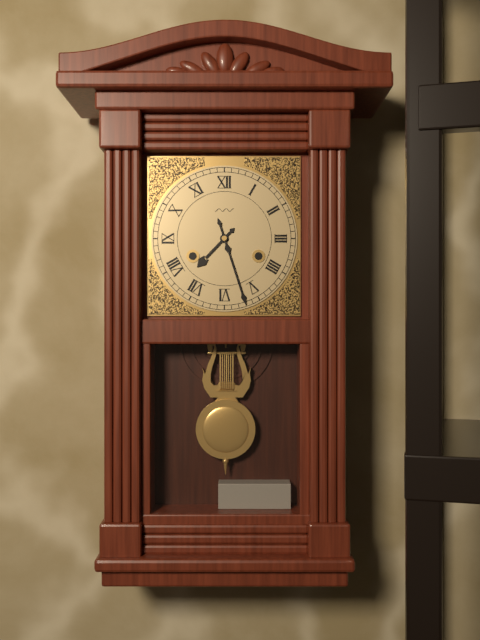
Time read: 7.27
